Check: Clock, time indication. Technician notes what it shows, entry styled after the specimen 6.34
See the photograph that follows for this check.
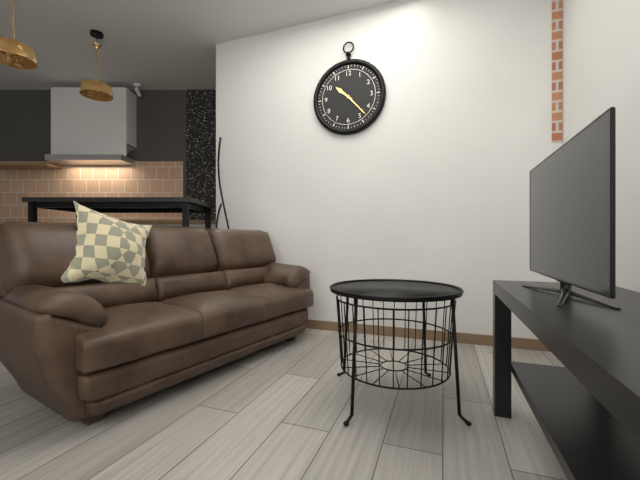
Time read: 10.23
